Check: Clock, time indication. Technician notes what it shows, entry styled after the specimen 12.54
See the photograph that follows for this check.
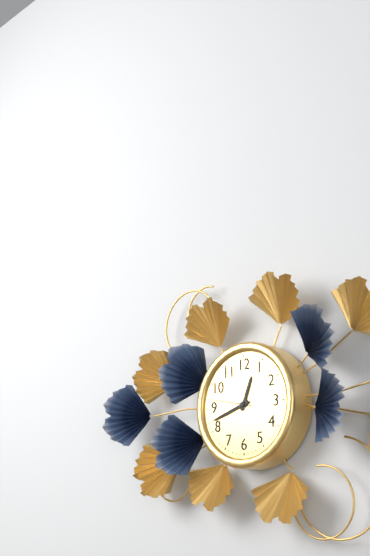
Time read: 12.42
